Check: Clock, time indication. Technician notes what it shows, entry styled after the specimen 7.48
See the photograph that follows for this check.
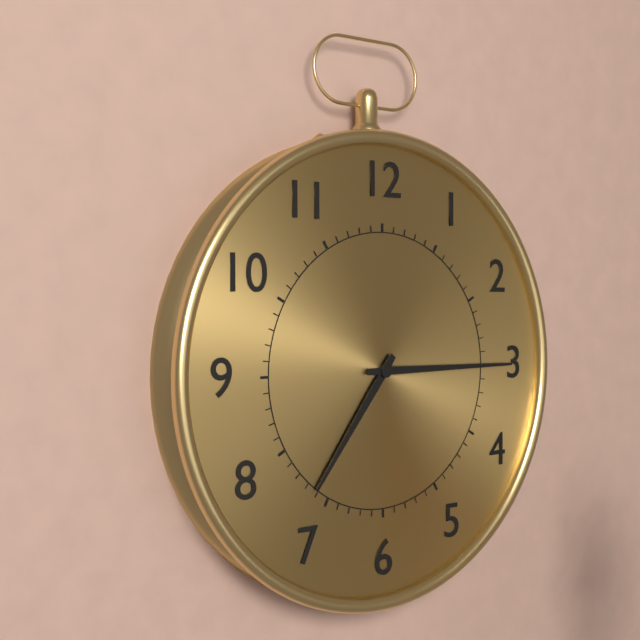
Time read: 7.15
